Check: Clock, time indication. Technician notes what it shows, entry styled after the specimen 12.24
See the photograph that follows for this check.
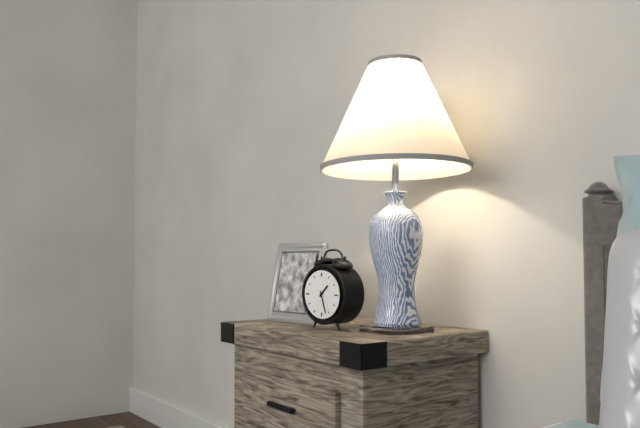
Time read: 1.27
